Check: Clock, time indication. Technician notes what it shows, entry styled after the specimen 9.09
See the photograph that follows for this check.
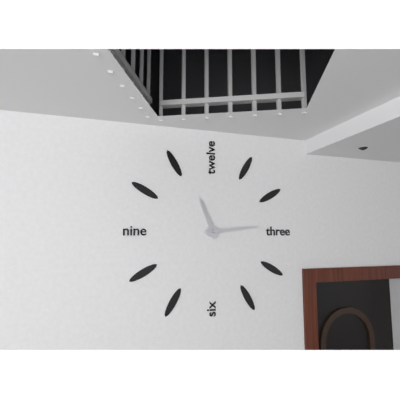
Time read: 11.14
